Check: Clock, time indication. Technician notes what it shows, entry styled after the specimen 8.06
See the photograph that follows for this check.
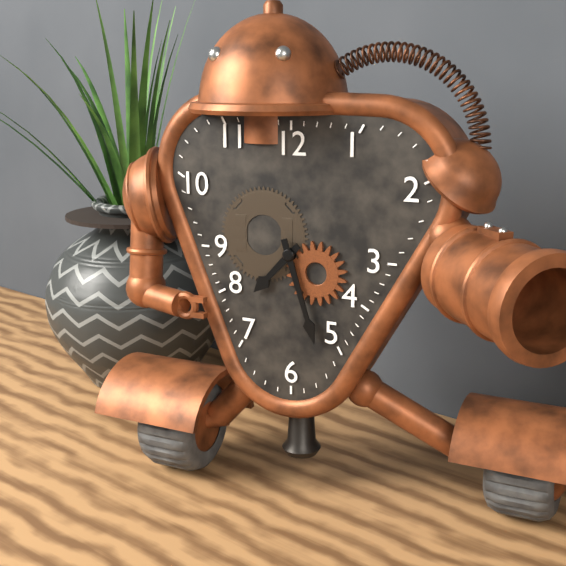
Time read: 7.27
